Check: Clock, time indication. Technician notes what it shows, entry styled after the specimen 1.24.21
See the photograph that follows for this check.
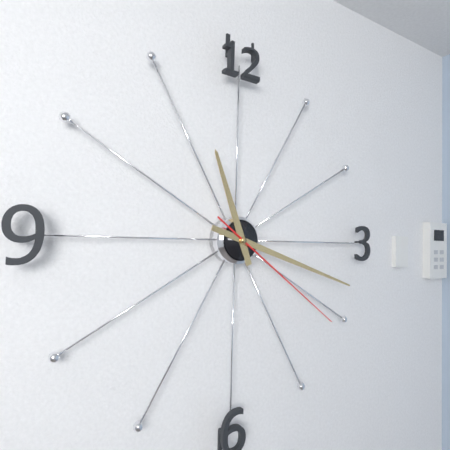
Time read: 11.18.21
